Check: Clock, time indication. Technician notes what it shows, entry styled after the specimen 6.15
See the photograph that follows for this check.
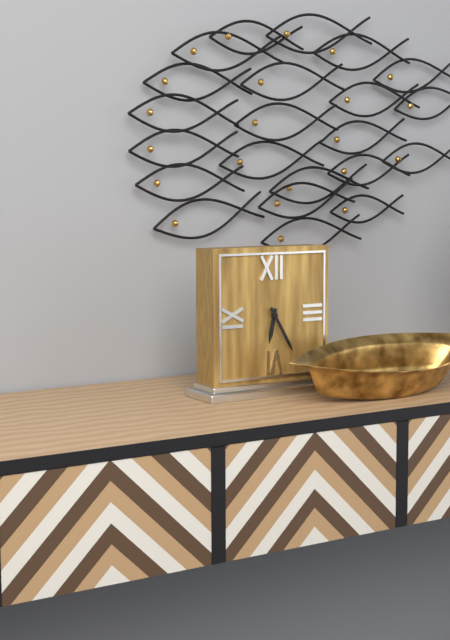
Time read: 6.25
